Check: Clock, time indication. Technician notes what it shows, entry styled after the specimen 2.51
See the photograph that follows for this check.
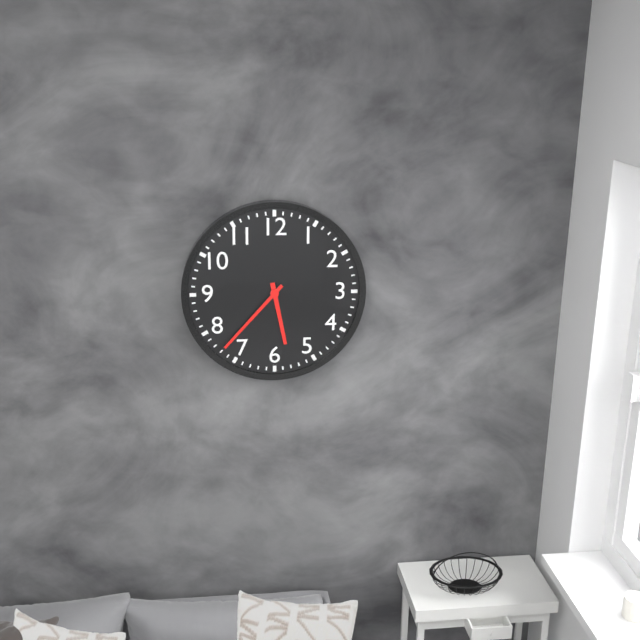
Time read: 5.37
